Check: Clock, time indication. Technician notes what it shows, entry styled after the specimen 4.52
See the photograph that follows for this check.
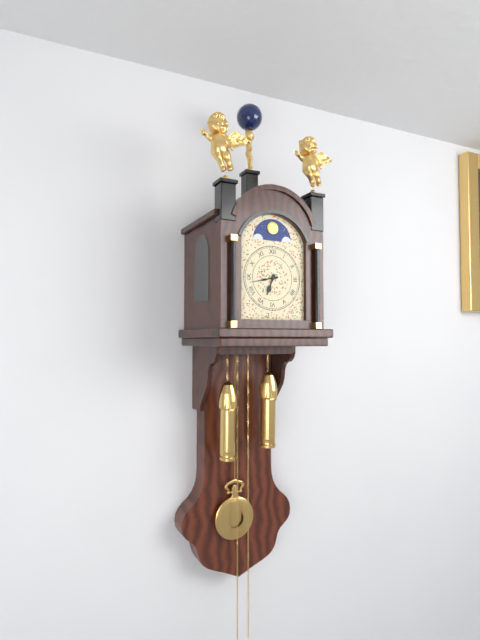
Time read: 6.43
